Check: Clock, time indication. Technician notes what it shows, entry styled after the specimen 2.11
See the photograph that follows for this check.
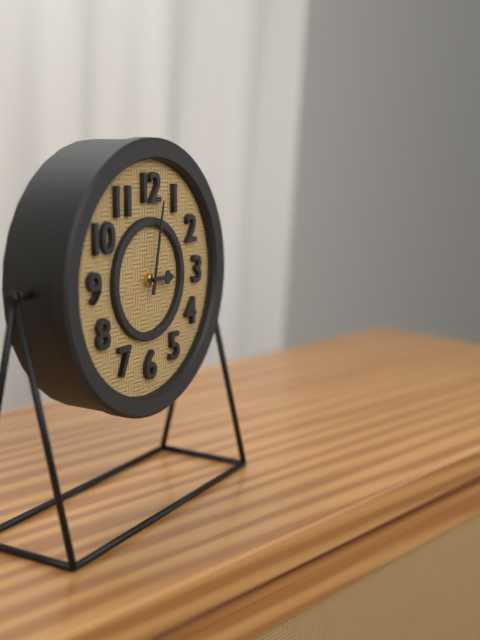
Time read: 3.02
